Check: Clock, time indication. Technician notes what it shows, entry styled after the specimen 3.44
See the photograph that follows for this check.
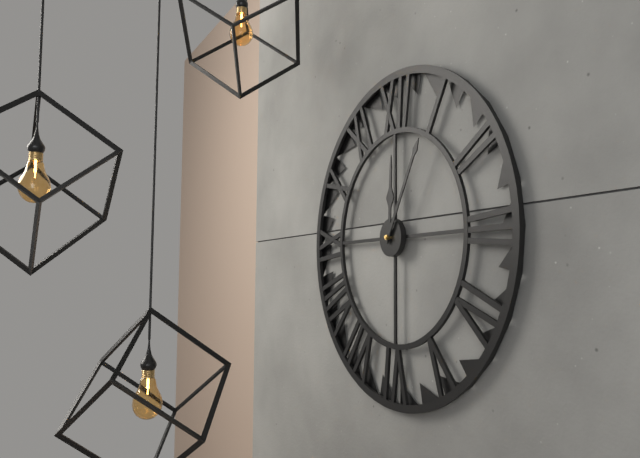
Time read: 12.05
